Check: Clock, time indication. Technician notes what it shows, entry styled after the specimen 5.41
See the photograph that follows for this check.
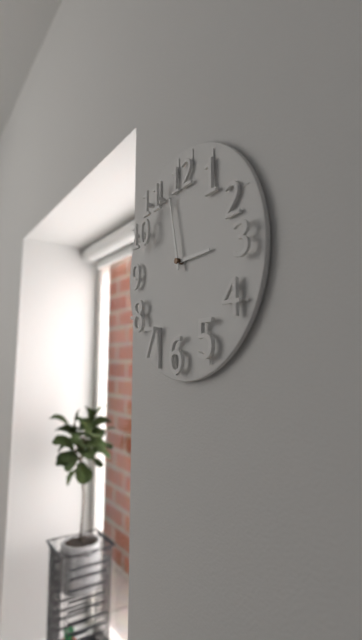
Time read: 2.58
